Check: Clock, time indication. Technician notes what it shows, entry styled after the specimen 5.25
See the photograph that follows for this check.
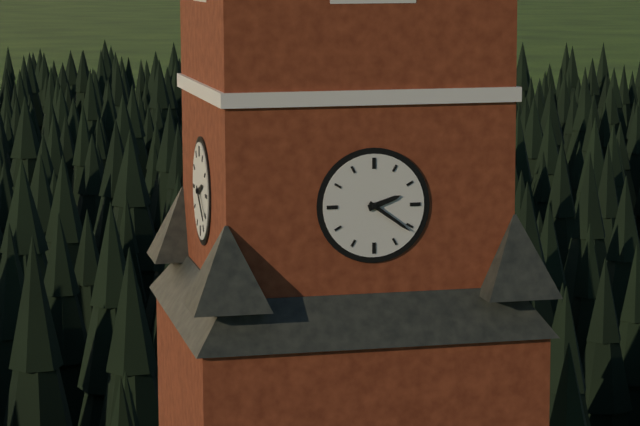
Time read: 2.21
